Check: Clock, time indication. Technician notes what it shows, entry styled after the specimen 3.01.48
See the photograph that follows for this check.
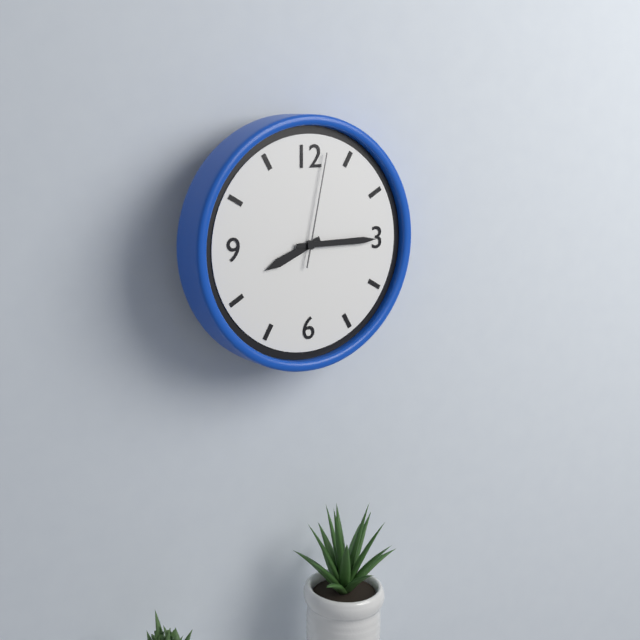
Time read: 8.15.02
